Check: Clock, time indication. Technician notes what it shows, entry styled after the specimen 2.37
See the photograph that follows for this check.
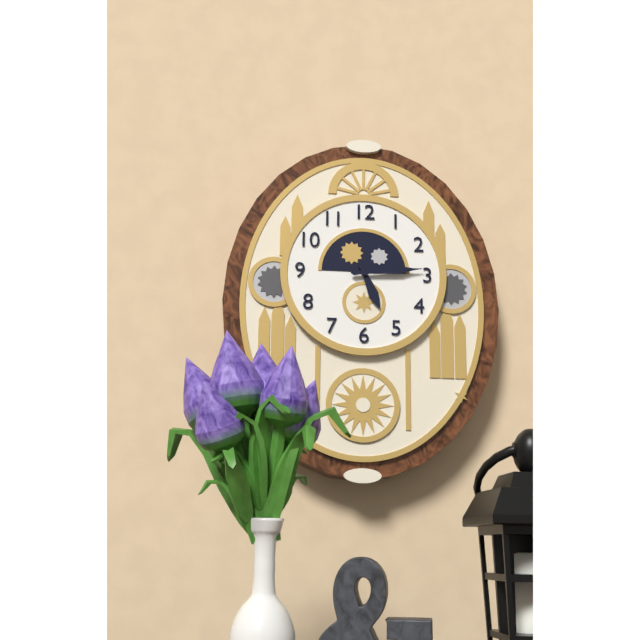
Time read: 5.14
